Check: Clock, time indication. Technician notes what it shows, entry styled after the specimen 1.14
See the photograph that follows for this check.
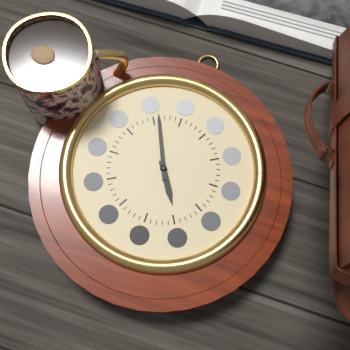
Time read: 4.56
